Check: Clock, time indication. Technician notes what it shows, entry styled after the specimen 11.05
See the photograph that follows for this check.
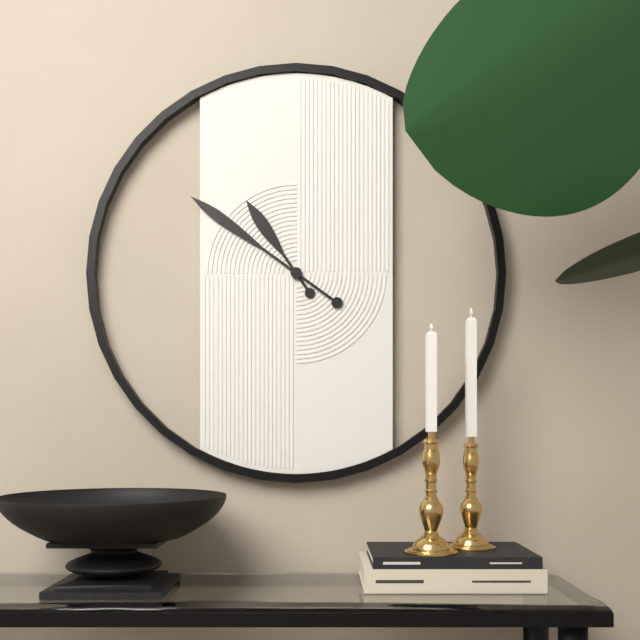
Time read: 10.51
